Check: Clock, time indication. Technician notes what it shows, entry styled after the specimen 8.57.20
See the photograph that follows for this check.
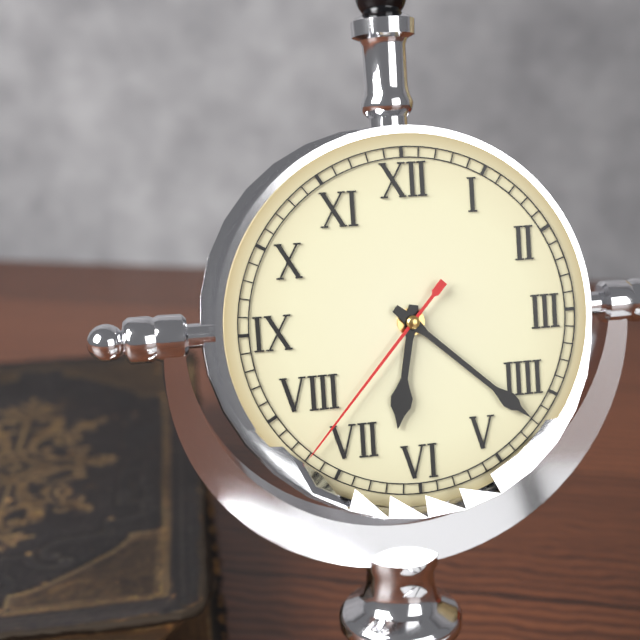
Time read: 6.22.37
